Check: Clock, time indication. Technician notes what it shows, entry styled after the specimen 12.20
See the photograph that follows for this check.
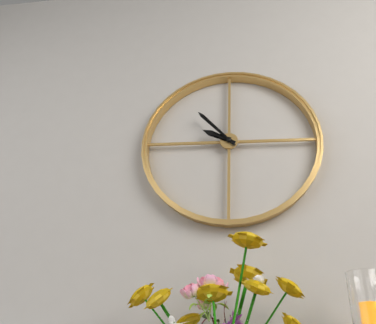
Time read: 9.53
